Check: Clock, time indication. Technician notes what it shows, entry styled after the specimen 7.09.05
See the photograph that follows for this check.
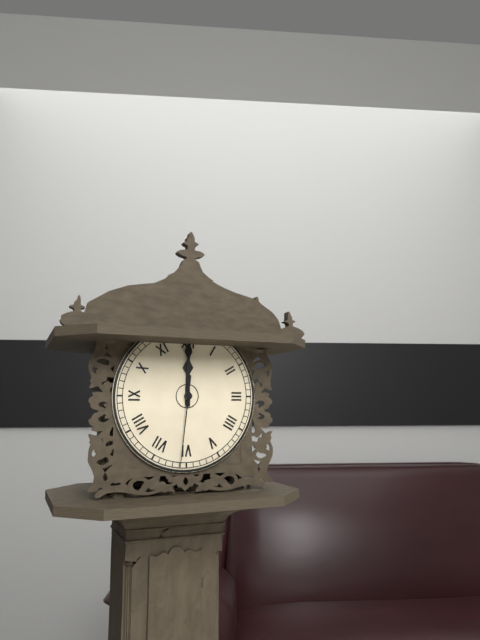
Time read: 12.00.31
